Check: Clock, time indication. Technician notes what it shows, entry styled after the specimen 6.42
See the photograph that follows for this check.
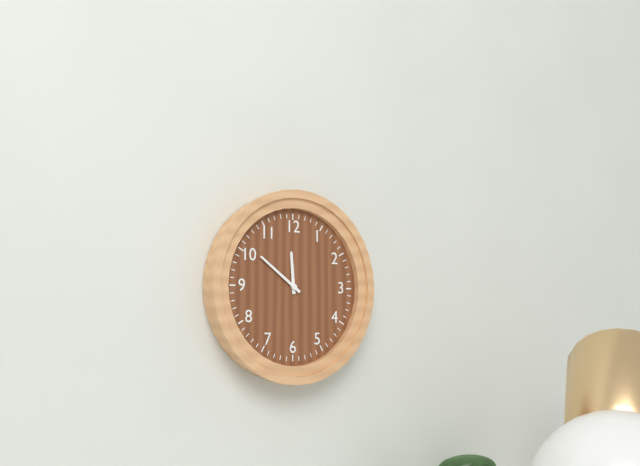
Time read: 11.51
